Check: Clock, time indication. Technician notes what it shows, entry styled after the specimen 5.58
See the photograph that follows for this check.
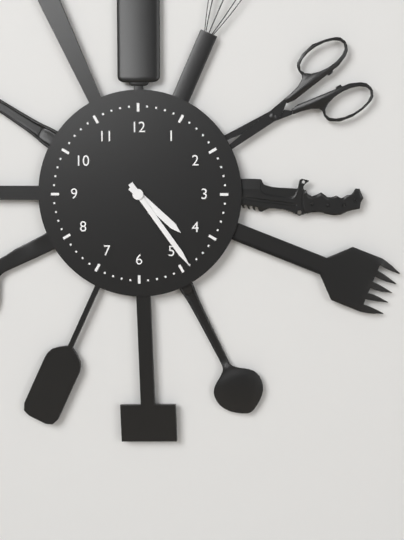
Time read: 4.24
